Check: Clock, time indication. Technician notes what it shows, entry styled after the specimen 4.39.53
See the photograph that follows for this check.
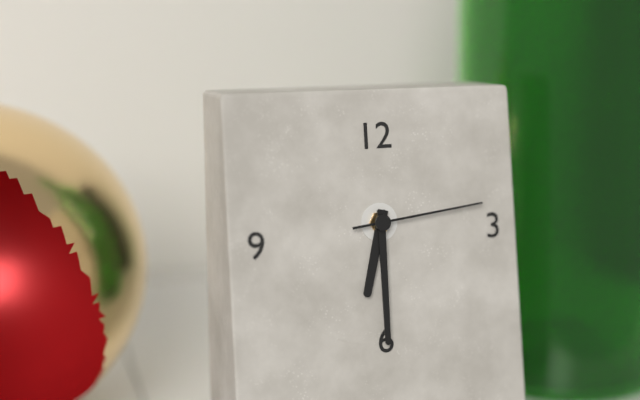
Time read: 6.30.14
